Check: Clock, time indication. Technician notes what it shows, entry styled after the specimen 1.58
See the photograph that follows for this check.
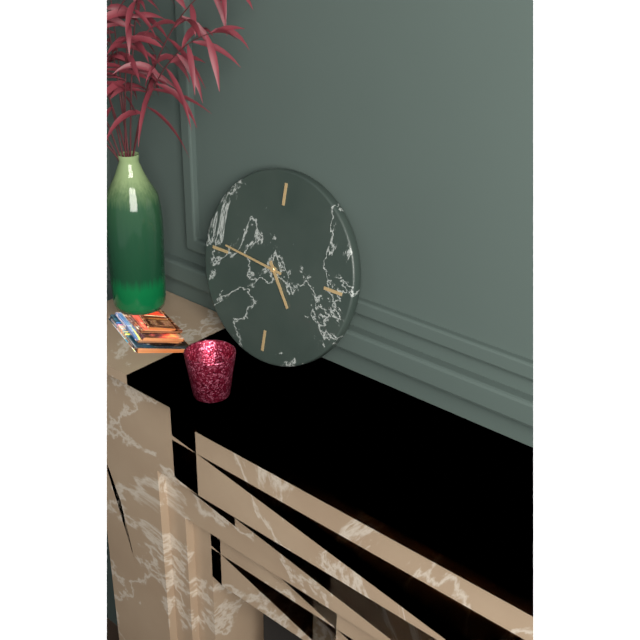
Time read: 4.46
